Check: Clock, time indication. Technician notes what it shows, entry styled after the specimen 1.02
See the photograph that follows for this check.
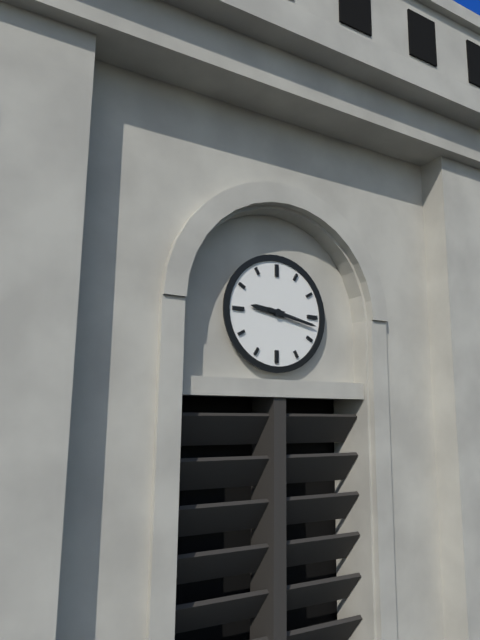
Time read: 9.17
